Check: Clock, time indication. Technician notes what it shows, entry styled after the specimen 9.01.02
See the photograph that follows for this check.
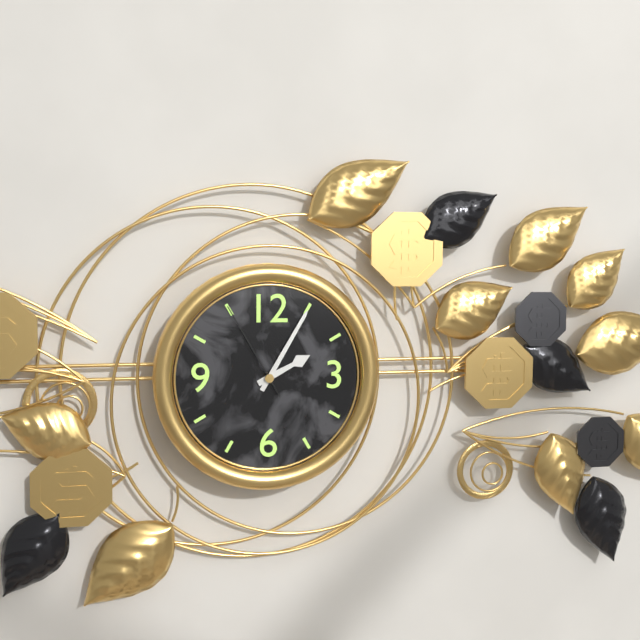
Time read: 2.05.55
